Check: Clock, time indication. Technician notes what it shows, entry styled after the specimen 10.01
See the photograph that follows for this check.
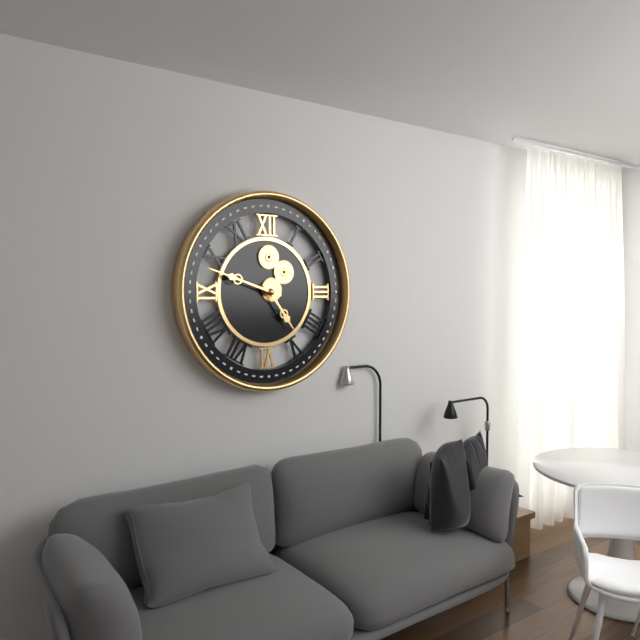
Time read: 4.48
